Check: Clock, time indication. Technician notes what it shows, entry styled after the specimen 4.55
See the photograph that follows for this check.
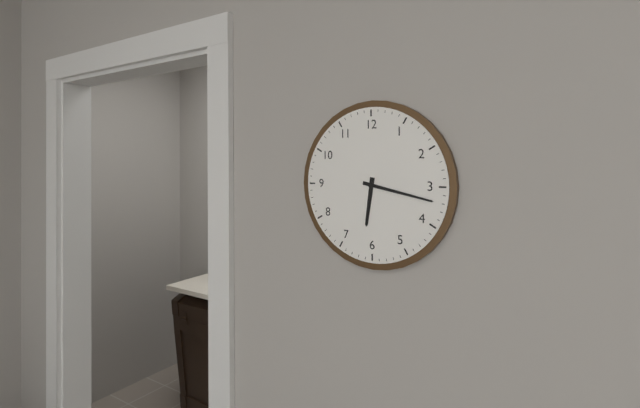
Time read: 6.17
